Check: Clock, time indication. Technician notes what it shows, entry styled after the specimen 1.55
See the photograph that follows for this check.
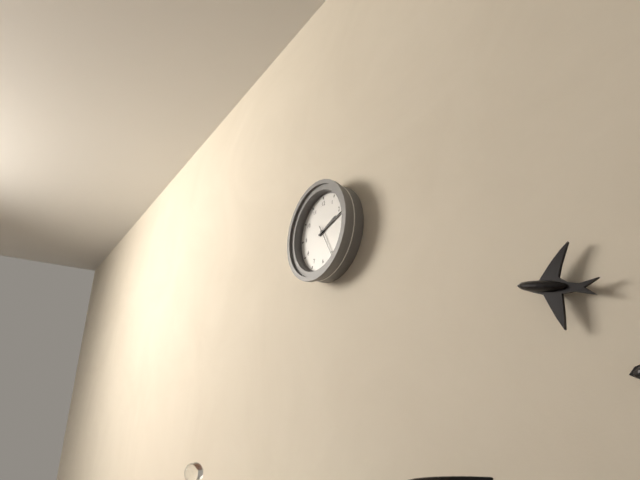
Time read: 2.12
